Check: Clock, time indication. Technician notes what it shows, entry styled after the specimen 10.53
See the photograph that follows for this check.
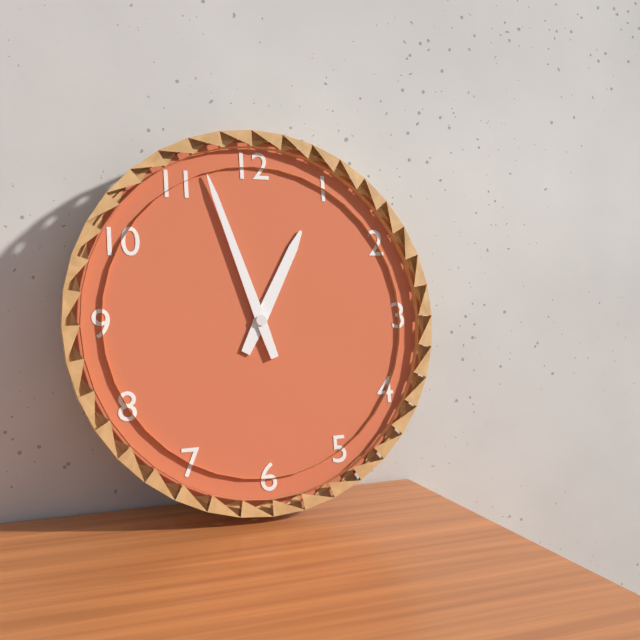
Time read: 12.57
